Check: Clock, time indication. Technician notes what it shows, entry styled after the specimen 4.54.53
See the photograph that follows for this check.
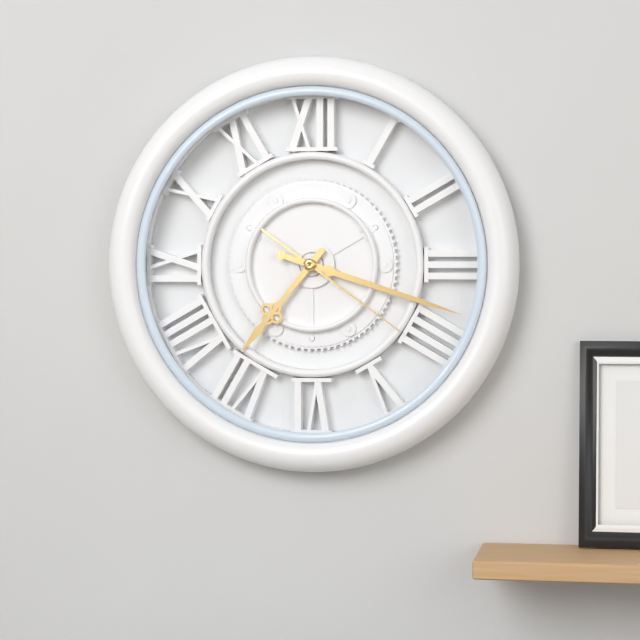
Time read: 7.18.21
